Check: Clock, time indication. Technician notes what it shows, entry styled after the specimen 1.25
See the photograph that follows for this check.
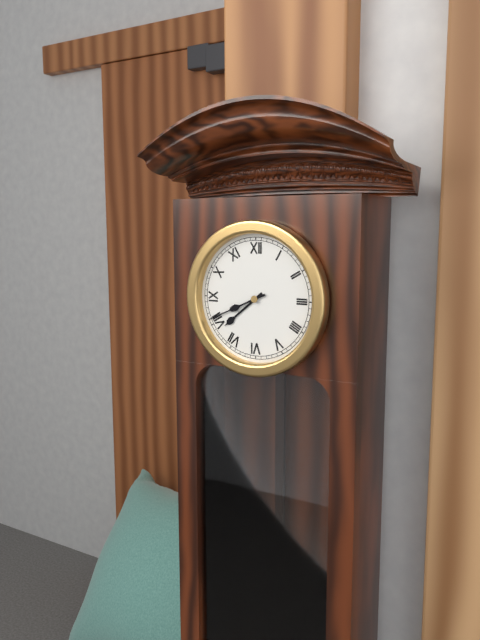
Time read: 7.41
